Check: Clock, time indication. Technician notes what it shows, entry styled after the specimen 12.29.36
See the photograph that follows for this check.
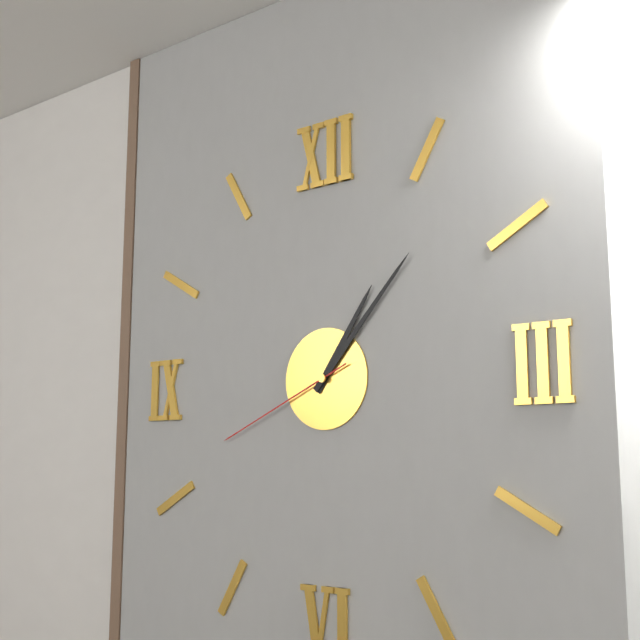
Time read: 1.07.41
